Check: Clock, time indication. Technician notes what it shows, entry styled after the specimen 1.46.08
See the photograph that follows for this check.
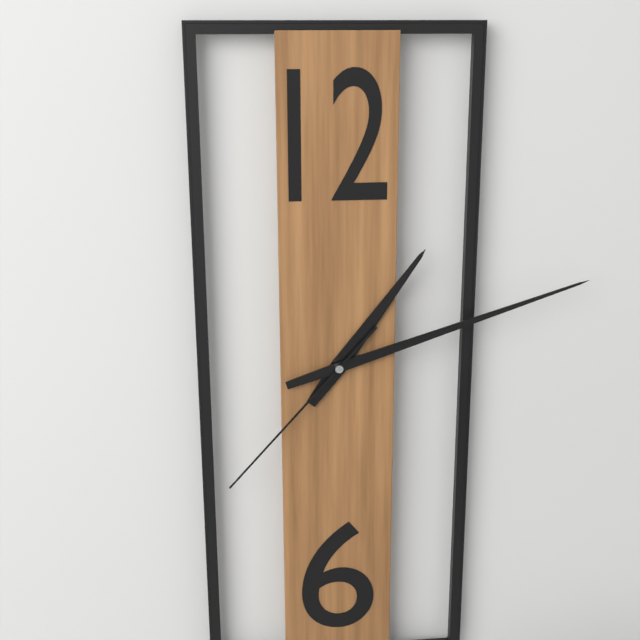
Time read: 1.12.37
